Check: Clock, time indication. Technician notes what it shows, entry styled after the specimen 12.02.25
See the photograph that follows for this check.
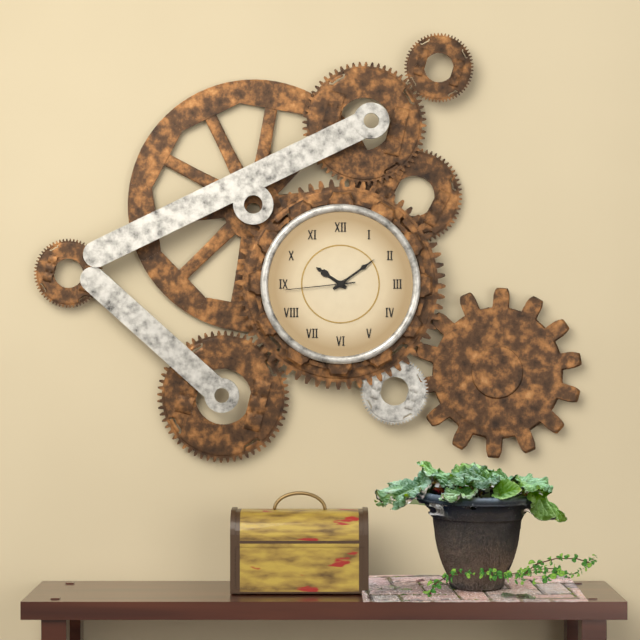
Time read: 10.09.44
